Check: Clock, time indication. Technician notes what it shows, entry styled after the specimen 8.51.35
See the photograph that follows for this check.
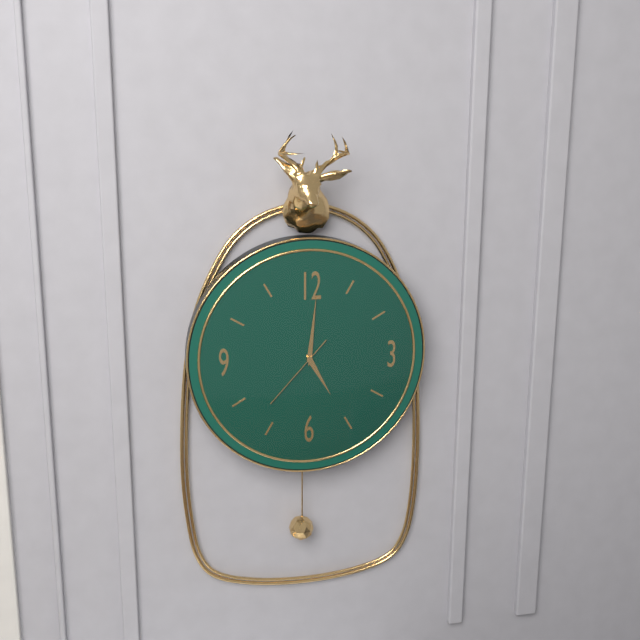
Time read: 5.01.37
